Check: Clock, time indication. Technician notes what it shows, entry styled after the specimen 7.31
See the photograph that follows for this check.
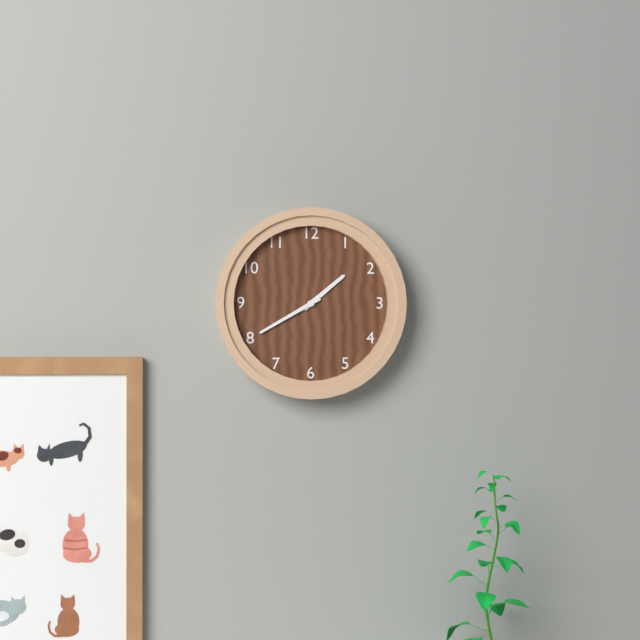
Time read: 1.40
